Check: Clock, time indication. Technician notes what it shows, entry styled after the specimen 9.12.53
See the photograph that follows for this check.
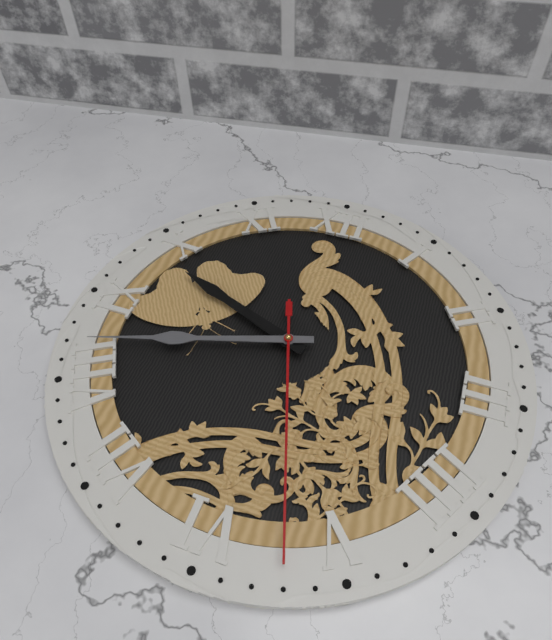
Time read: 9.42.27
